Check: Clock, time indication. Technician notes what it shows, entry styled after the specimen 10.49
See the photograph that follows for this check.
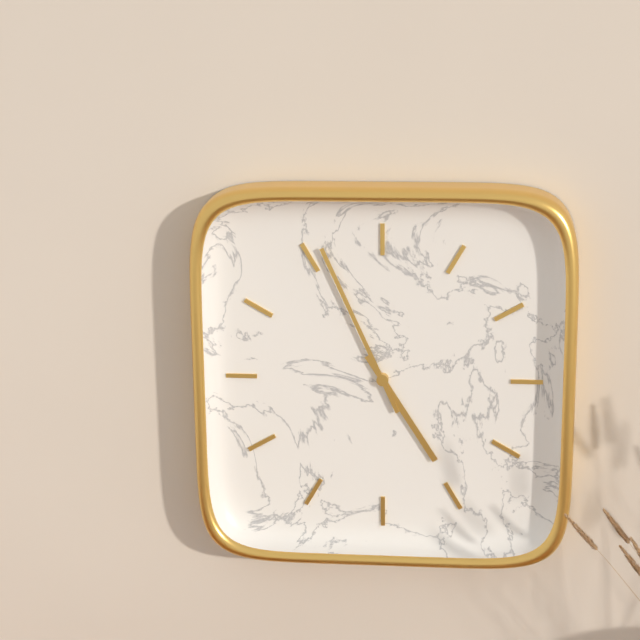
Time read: 4.56
